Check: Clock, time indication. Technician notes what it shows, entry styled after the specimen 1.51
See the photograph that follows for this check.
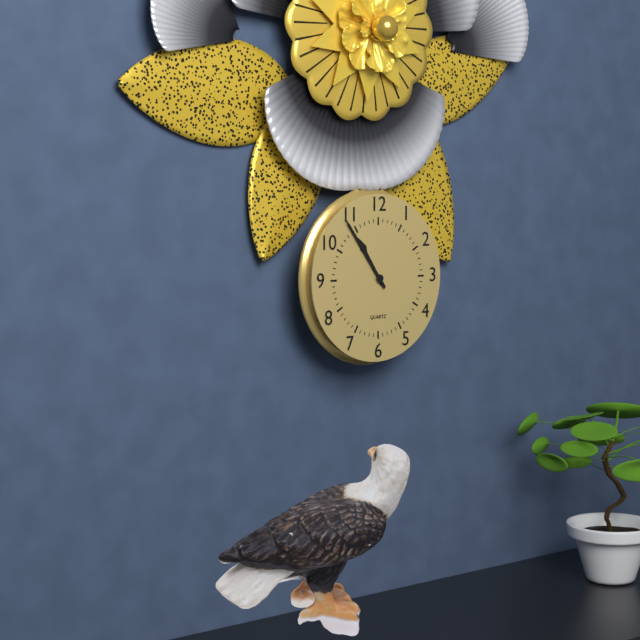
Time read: 10.54
